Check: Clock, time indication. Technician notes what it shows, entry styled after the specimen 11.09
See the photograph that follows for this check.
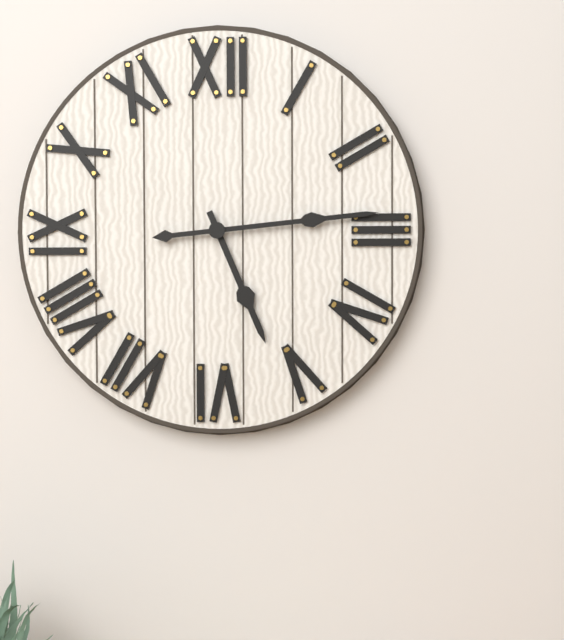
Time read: 5.14
